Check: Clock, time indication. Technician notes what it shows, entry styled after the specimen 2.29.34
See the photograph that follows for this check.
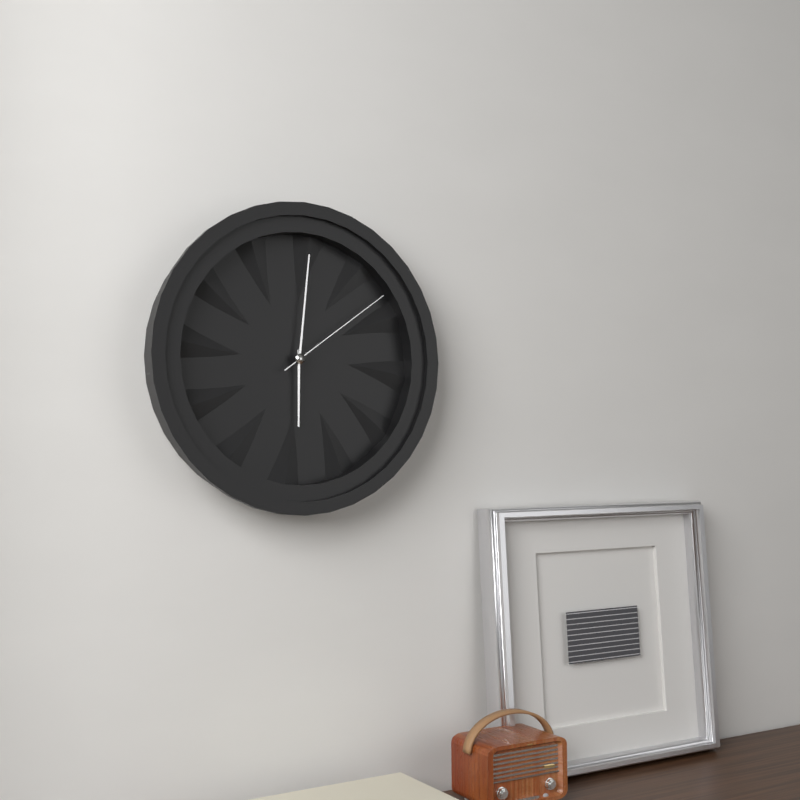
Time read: 6.01.09
